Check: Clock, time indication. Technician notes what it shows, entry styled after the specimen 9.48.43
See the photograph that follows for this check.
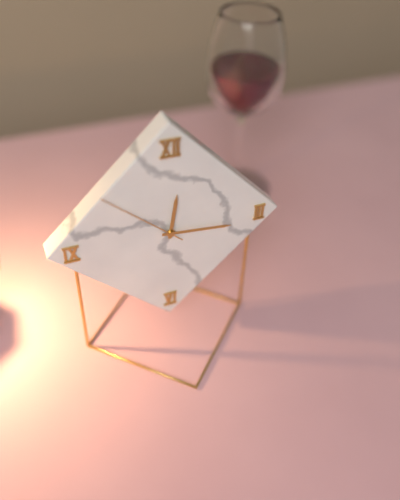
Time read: 12.16.52
